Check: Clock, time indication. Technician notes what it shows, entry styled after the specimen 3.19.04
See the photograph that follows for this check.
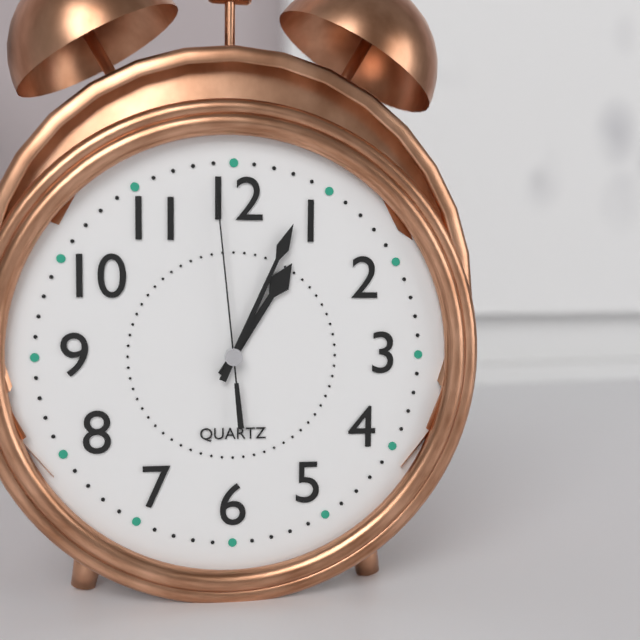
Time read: 1.04.59
